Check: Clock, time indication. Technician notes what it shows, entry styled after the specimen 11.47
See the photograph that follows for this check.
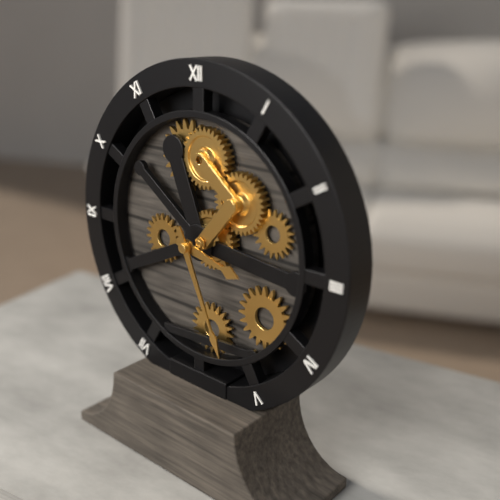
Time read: 3.26
